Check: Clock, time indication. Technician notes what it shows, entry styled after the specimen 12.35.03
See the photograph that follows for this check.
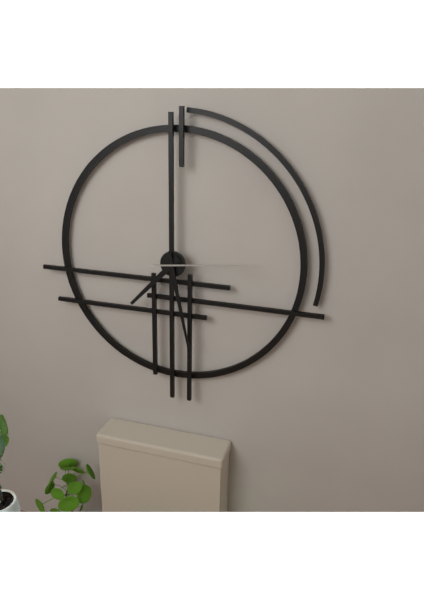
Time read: 7.28.14
